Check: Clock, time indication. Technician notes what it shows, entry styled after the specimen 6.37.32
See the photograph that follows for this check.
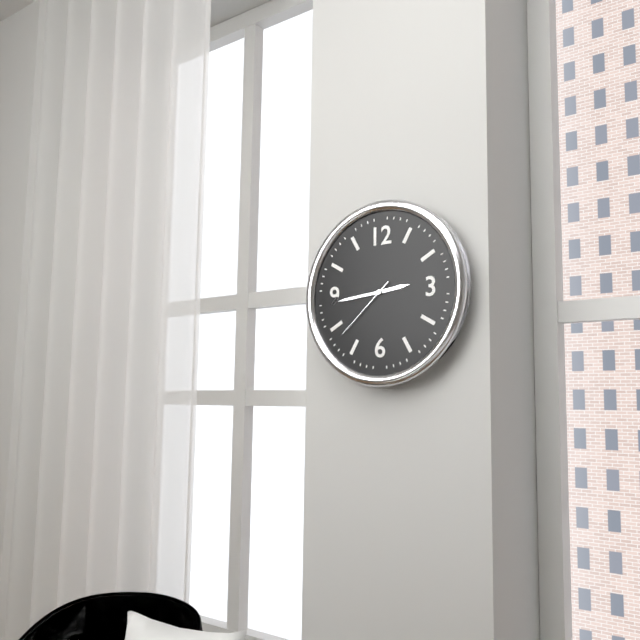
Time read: 2.44.38
